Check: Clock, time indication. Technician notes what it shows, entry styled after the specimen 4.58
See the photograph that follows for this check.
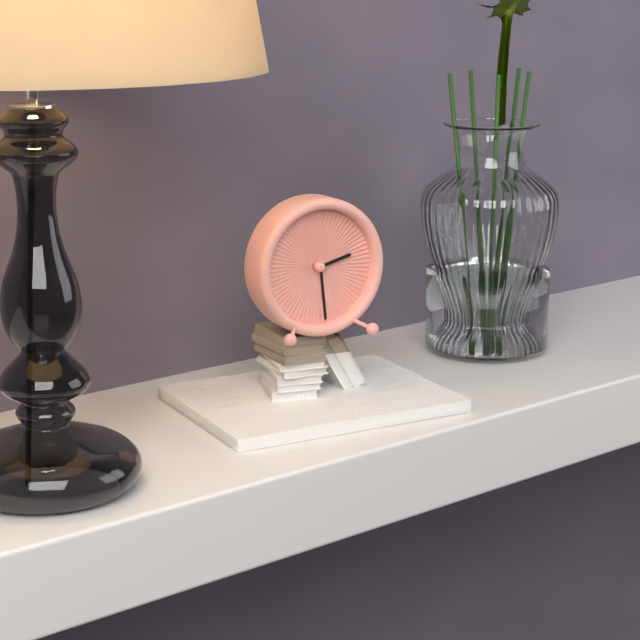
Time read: 2.29
